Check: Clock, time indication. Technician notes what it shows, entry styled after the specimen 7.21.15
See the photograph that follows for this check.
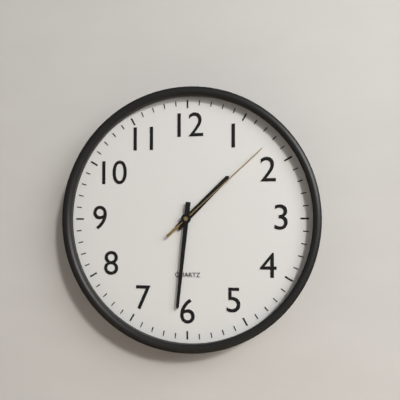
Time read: 1.31.08
